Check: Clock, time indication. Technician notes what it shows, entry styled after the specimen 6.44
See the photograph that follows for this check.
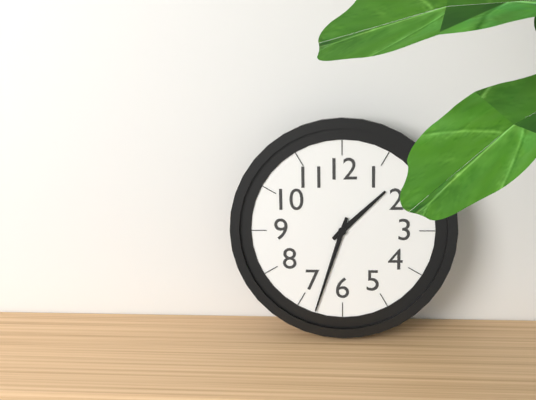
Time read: 1.33
